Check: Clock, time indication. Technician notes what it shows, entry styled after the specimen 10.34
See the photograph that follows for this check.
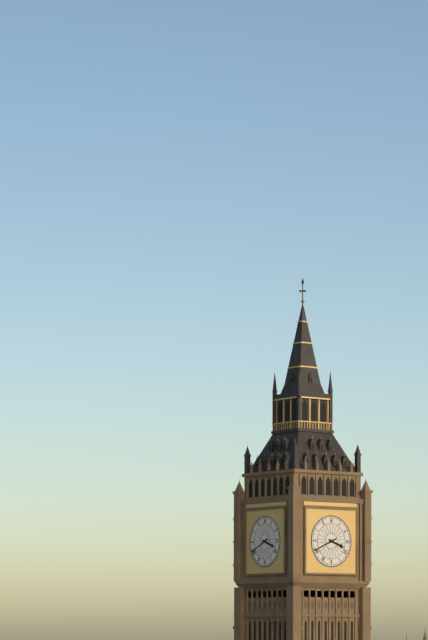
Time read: 3.41
